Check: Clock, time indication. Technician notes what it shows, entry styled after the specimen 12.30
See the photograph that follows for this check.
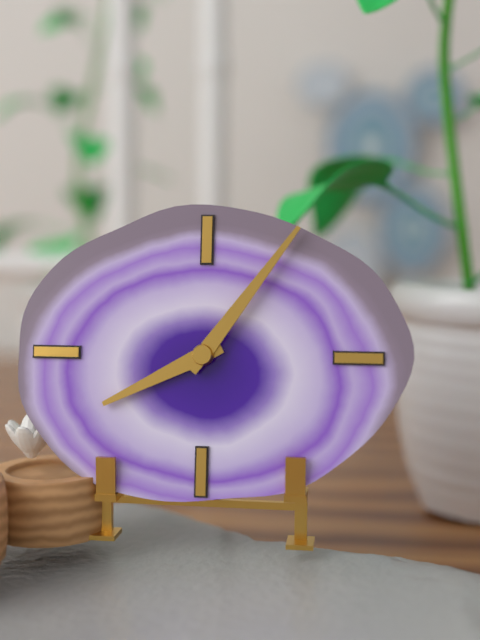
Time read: 8.06
